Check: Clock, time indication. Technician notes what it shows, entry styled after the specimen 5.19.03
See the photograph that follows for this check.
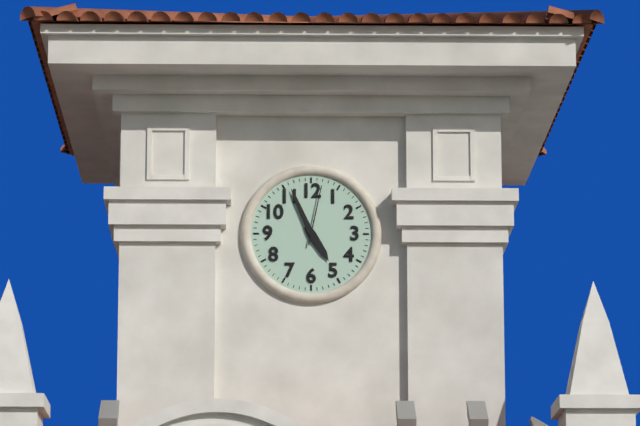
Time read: 4.56.02
